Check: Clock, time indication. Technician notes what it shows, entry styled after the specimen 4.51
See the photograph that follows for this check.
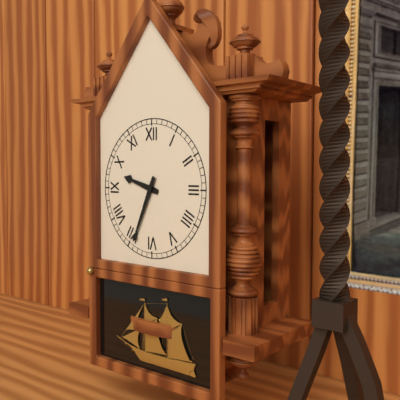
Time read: 9.34
